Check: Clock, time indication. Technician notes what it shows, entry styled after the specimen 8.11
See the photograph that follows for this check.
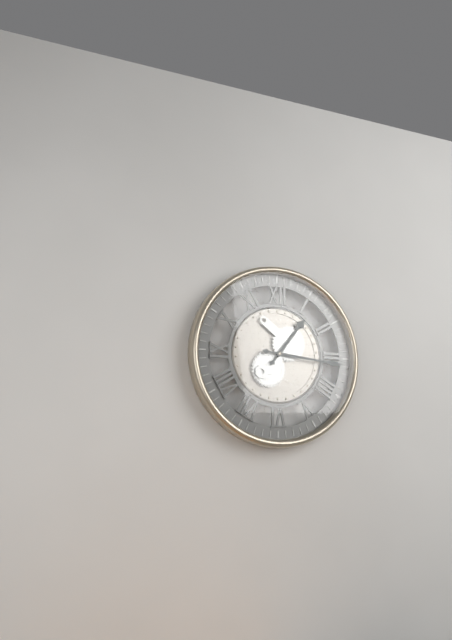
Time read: 1.16
